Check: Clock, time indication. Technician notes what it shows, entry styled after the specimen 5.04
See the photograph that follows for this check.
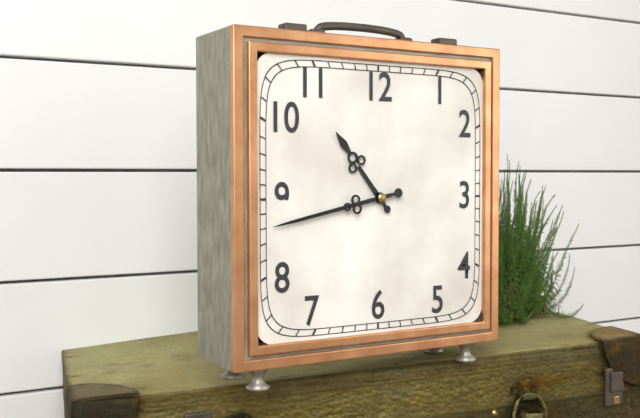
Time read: 10.43
